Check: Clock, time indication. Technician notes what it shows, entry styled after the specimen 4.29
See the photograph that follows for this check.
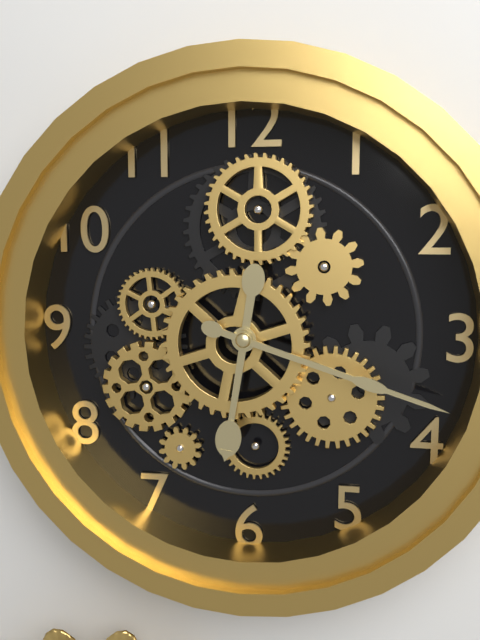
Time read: 6.18
